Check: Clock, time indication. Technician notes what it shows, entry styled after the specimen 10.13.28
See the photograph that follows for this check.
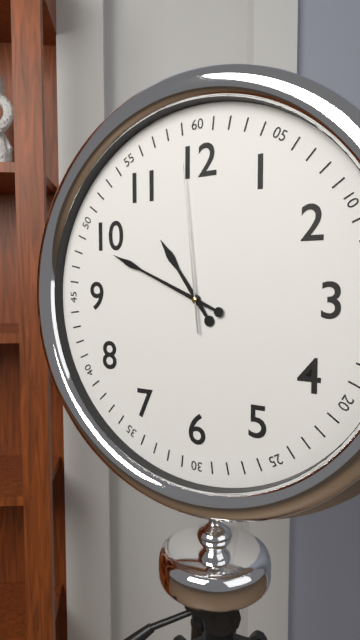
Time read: 10.49.59
